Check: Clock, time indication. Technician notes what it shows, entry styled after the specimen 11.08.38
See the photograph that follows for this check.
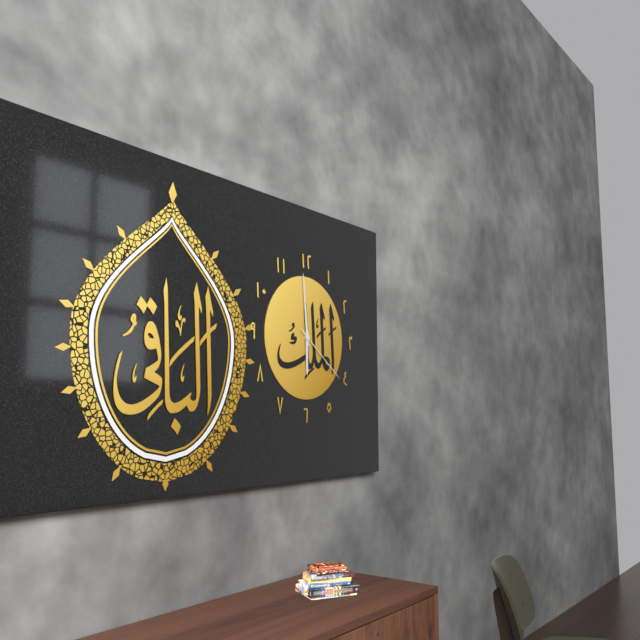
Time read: 5.59.21
